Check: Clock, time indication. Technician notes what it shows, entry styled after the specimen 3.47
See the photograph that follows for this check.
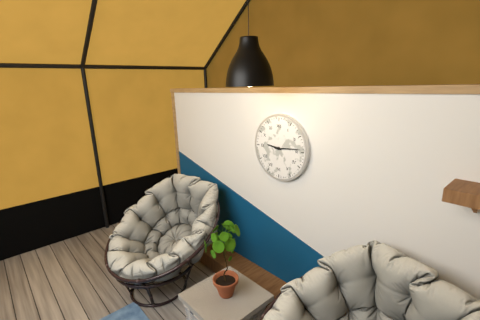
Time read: 9.14
